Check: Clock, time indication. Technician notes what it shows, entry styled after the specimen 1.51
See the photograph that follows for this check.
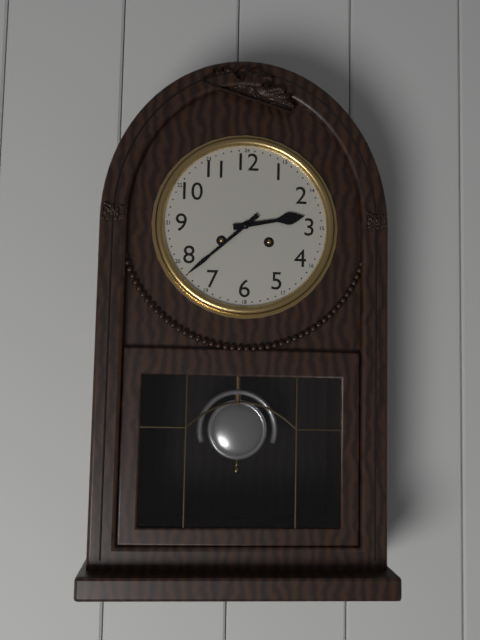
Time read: 2.38
